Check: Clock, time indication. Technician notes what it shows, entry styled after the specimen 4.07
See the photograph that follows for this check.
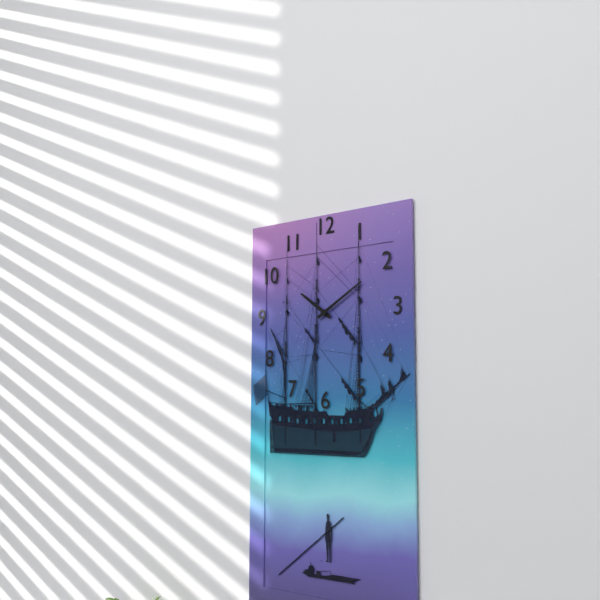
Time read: 10.10
